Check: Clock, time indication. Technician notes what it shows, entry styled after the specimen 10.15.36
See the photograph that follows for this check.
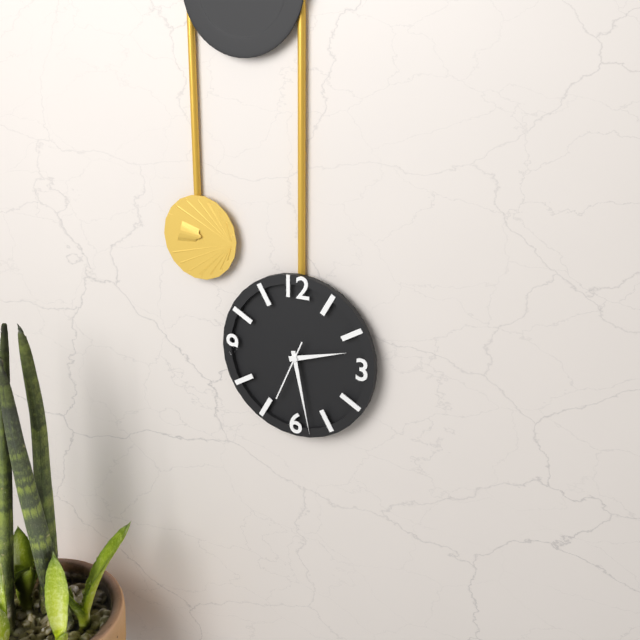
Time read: 2.28.34
